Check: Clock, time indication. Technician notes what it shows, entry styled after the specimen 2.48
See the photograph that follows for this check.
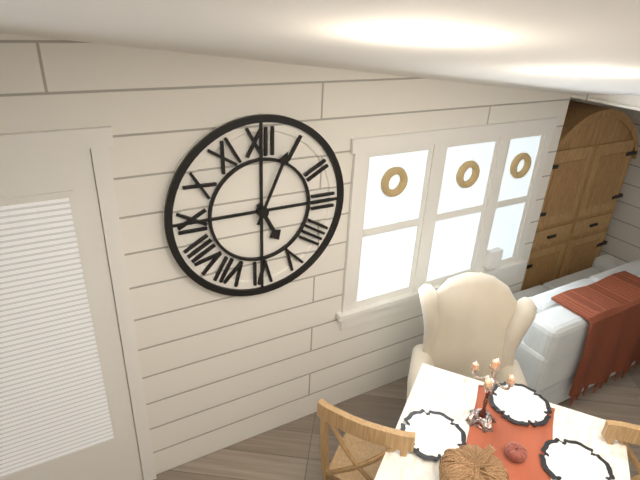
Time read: 5.04
